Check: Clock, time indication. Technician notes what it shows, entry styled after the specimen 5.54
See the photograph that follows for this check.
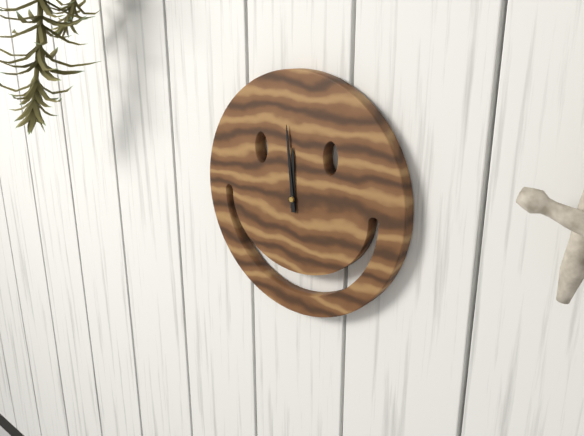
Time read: 11.59
